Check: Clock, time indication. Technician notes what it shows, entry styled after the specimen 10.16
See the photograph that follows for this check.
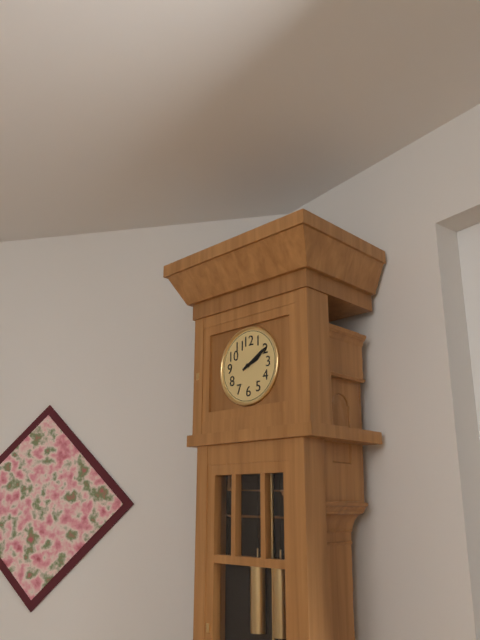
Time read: 2.10
